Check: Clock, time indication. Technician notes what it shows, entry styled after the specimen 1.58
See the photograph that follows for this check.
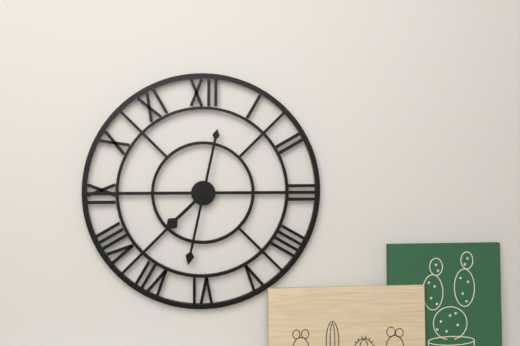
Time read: 7.32
